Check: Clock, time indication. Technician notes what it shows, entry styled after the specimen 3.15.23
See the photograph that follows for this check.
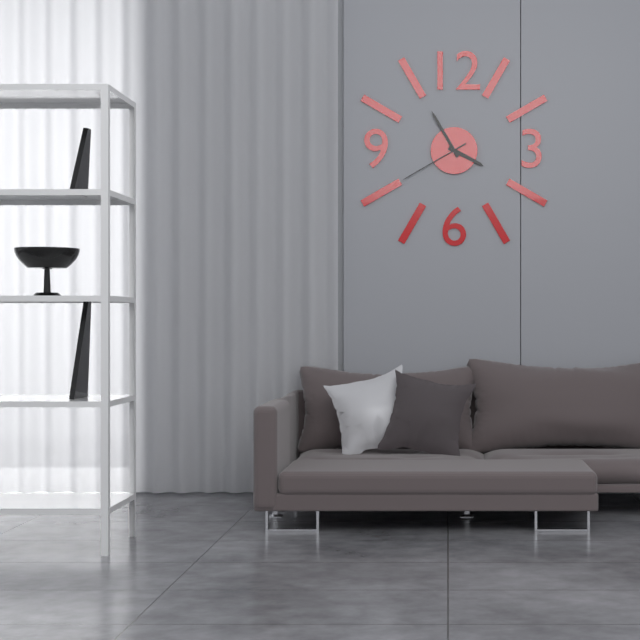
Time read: 3.55.40
